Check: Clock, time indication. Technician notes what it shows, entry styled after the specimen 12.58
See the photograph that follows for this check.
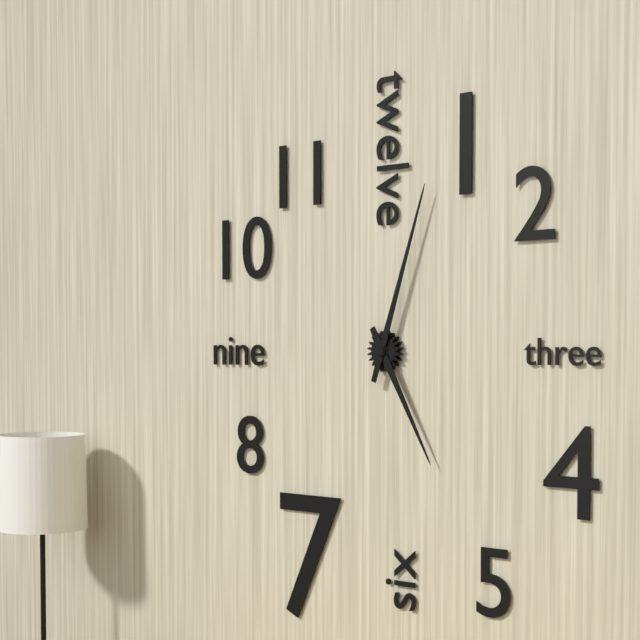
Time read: 5.03
